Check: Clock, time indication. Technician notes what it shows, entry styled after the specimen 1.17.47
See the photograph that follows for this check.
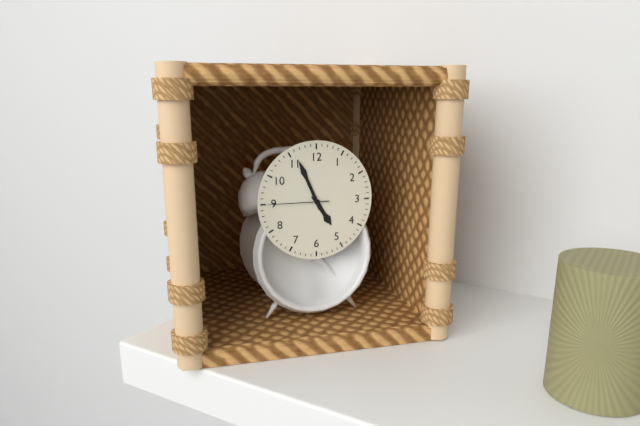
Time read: 4.56.45
